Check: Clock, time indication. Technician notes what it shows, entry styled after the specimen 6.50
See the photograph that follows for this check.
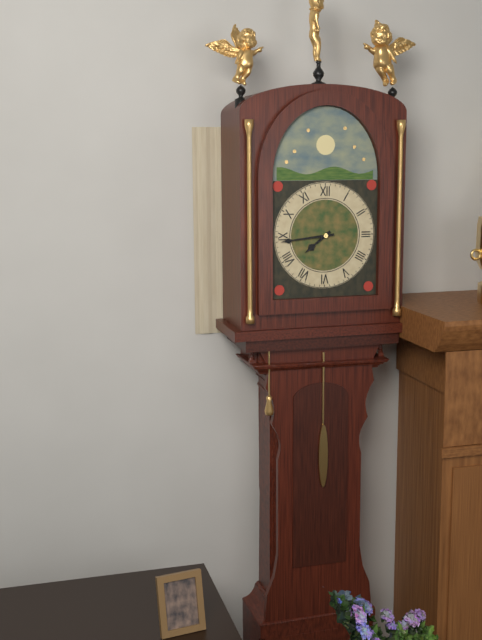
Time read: 7.44
